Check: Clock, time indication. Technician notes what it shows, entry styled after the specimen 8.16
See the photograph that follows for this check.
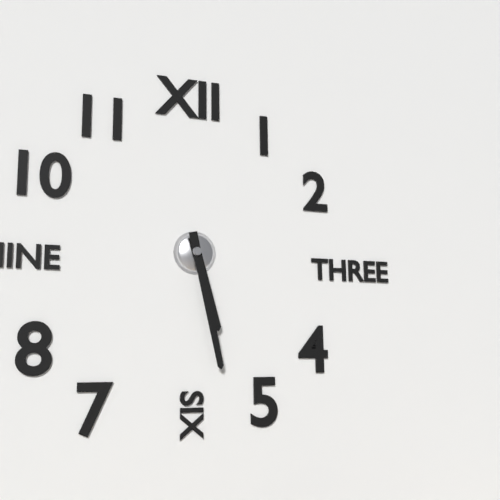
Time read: 5.28
